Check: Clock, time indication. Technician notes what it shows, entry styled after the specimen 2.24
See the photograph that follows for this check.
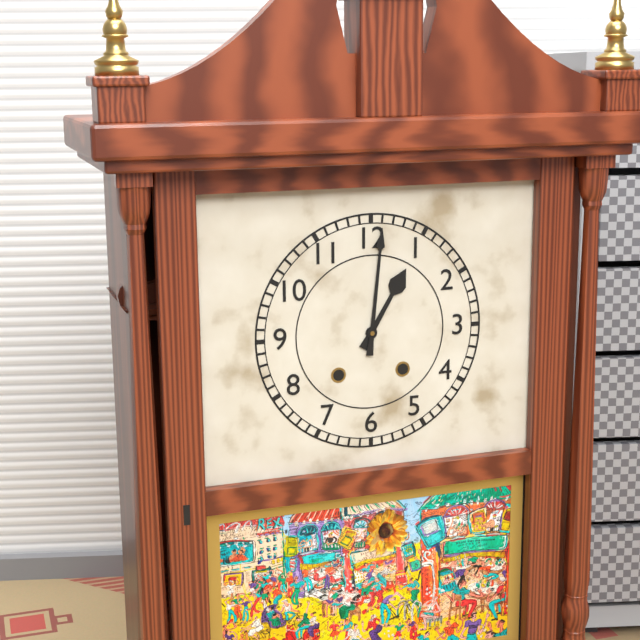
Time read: 1.01
